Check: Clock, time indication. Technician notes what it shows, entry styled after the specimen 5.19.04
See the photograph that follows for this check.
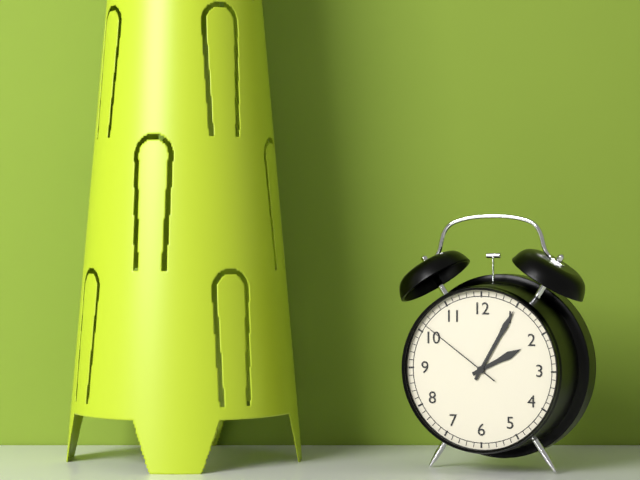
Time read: 2.05.51
